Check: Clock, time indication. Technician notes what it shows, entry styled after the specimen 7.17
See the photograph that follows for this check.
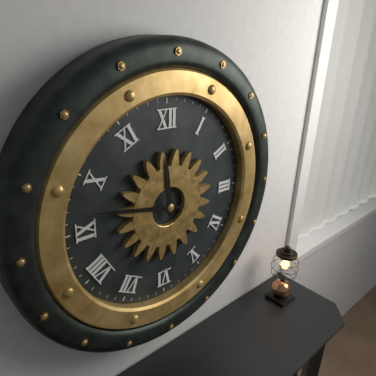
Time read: 11.47
